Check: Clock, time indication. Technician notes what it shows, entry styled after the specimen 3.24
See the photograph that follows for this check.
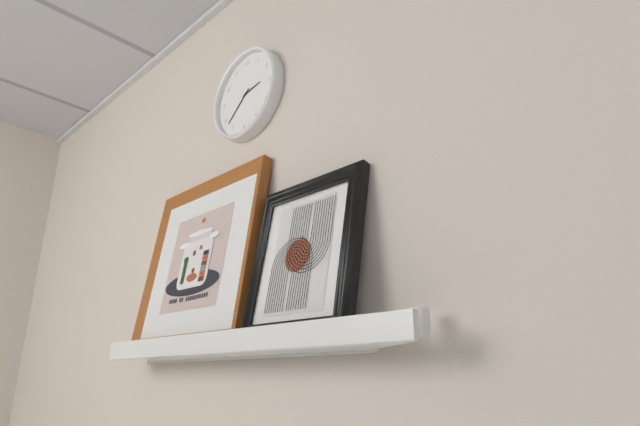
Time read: 2.38
